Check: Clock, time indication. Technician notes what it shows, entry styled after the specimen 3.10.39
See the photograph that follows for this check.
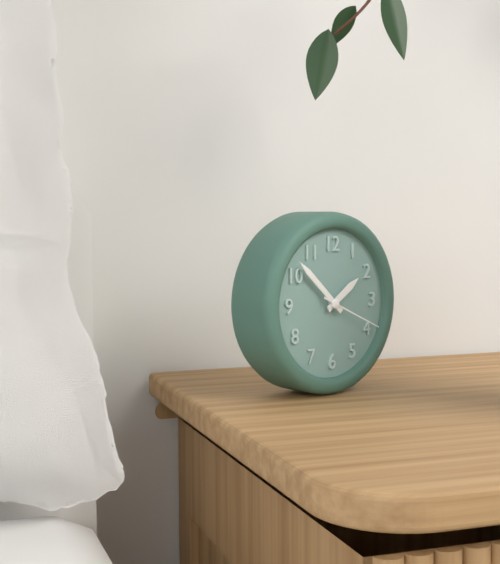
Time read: 1.52.19
